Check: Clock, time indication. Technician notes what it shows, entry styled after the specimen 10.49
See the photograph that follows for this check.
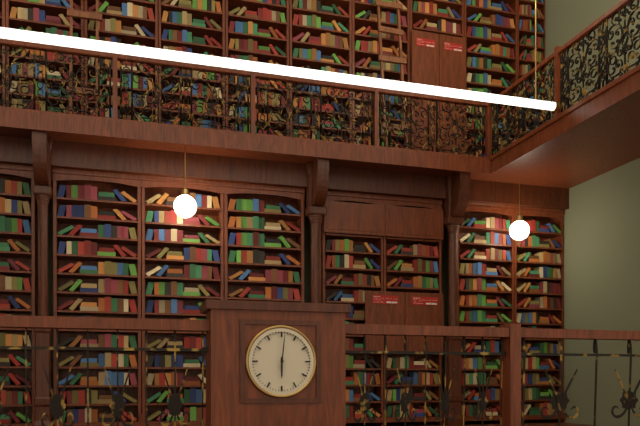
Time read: 6.01
